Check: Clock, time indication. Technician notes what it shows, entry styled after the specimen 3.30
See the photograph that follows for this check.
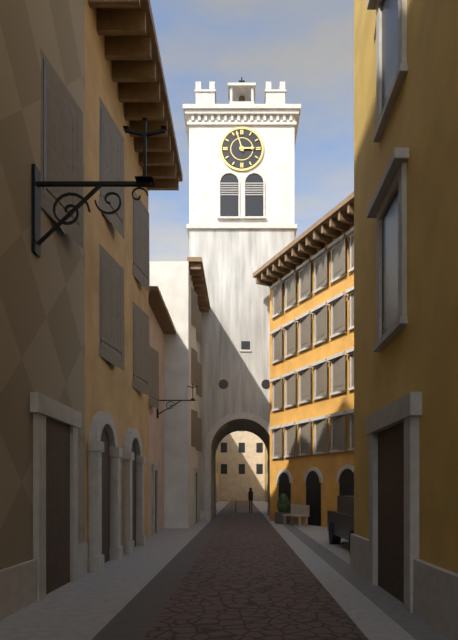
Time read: 2.57
